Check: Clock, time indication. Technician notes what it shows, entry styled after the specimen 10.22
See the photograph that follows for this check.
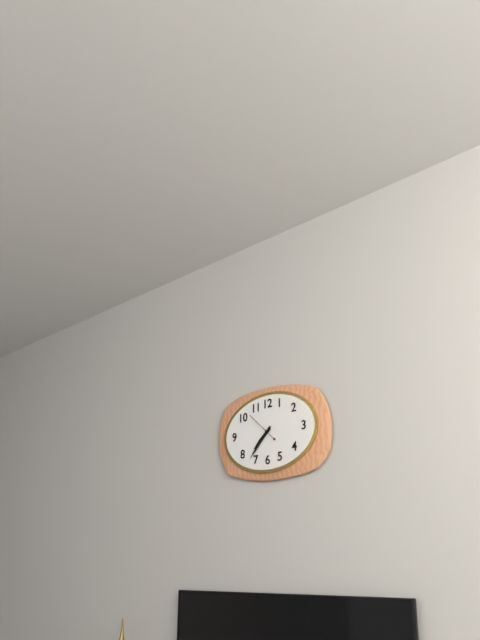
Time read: 7.37
